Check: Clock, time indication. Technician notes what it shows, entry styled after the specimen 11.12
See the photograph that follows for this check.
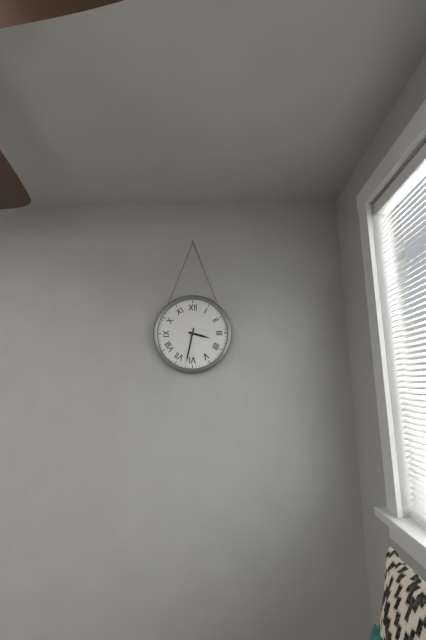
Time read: 3.32
